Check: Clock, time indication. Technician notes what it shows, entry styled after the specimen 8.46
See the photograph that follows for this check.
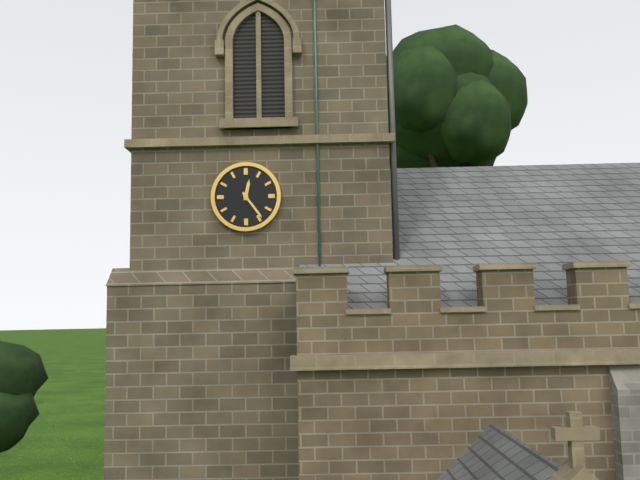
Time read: 12.24
